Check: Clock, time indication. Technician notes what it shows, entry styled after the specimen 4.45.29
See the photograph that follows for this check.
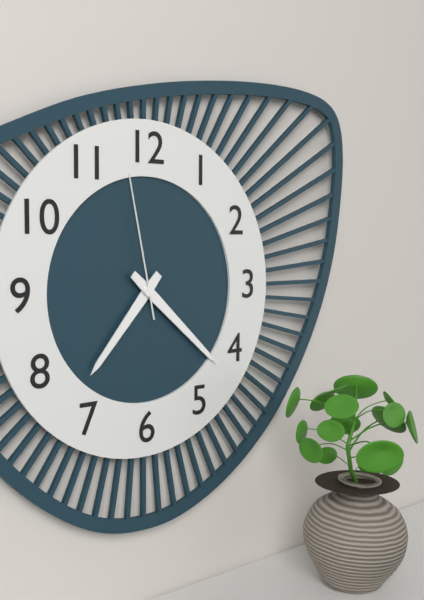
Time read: 7.22.58
